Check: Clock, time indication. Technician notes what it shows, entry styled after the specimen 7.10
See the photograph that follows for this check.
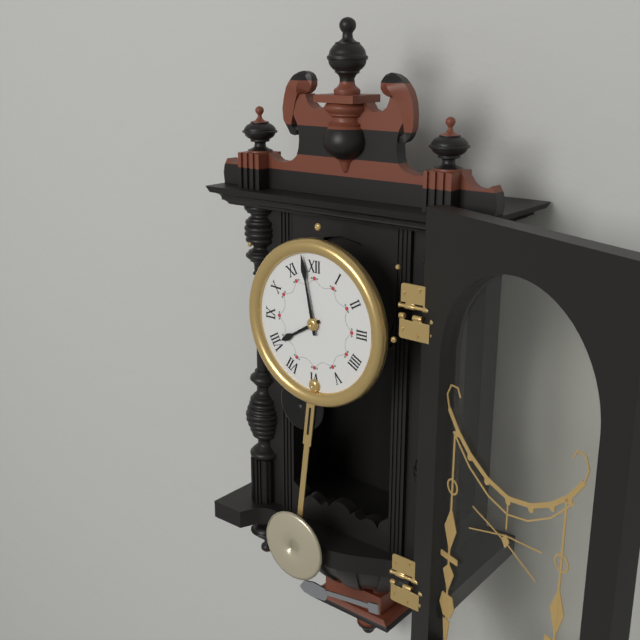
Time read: 7.58
